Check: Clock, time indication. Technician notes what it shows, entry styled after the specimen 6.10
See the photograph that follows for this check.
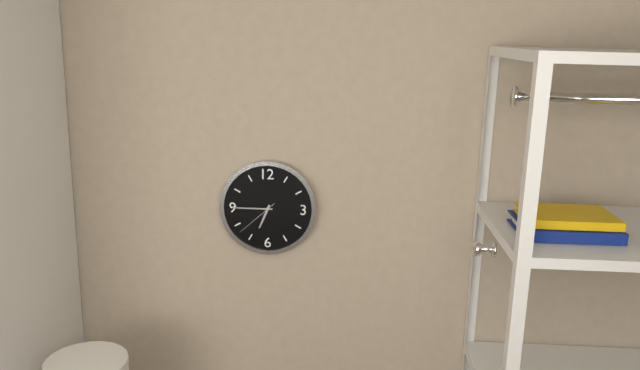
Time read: 6.45
